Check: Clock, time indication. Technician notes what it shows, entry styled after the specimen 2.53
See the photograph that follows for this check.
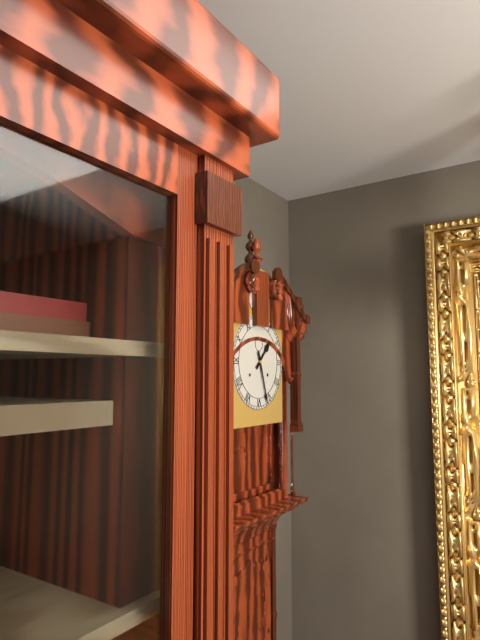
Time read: 1.27
